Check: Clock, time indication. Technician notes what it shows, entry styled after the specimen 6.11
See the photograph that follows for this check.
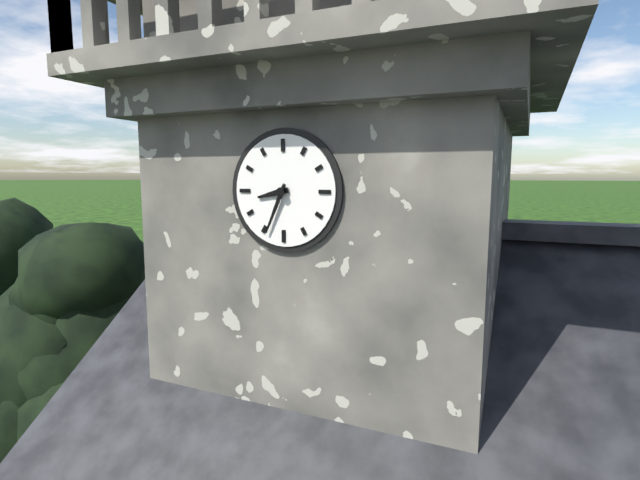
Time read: 8.34
